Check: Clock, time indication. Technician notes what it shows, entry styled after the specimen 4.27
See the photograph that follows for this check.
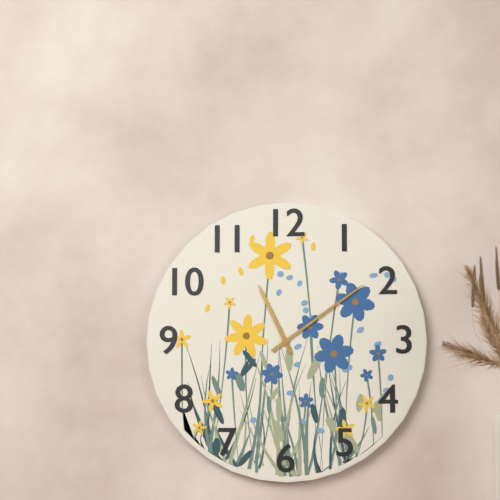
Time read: 11.09
